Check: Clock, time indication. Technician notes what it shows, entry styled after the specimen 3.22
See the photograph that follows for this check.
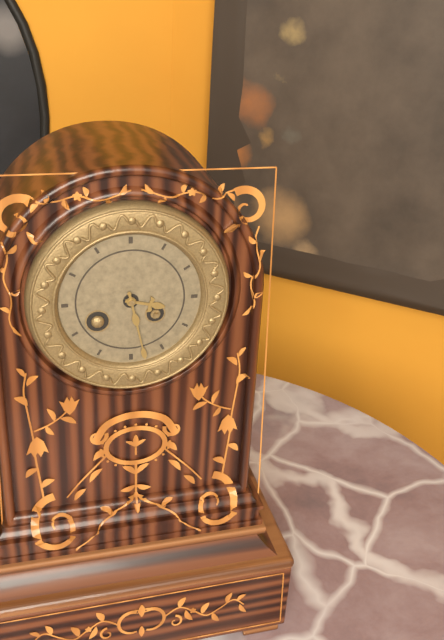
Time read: 3.28
